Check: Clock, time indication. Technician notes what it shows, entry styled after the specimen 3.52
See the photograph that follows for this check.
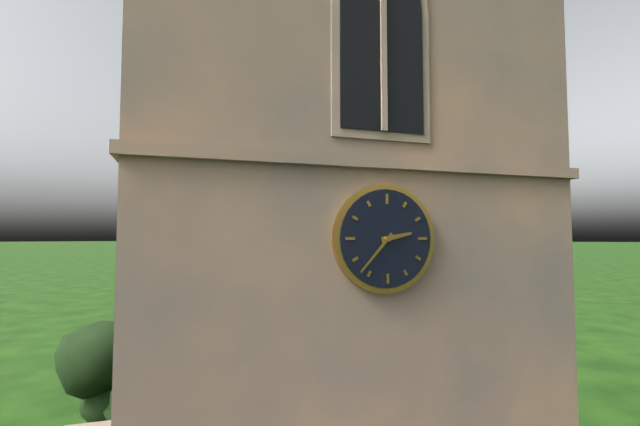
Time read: 2.37
